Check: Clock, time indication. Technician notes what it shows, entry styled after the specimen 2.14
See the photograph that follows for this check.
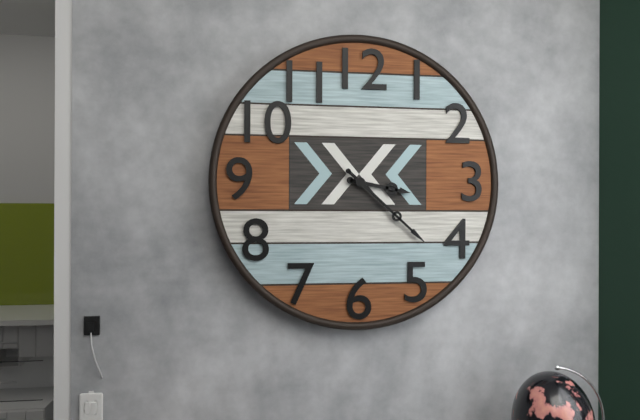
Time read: 3.22
